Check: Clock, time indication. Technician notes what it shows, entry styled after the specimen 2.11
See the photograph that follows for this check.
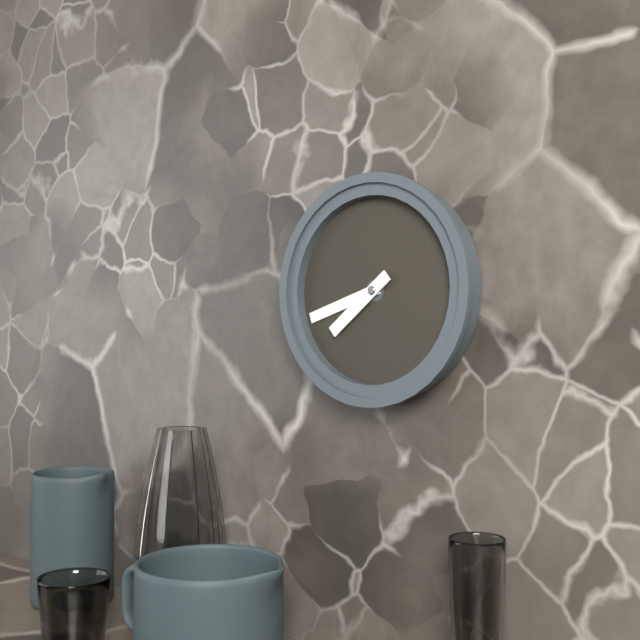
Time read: 7.42
